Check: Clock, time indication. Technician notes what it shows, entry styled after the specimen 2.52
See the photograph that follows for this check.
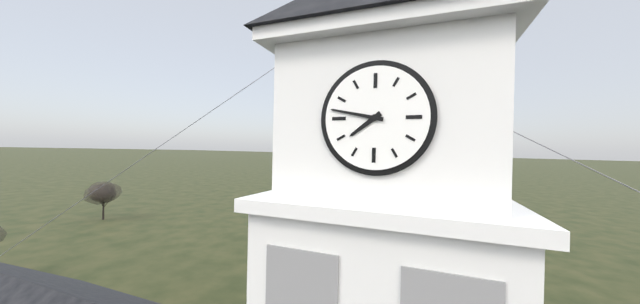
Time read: 7.47
